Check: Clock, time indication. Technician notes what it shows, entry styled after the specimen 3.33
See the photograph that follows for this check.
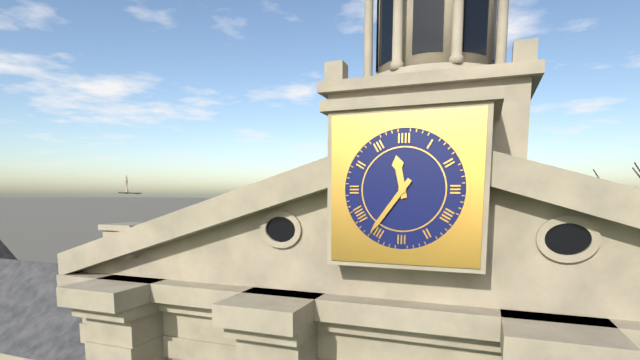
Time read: 11.36
